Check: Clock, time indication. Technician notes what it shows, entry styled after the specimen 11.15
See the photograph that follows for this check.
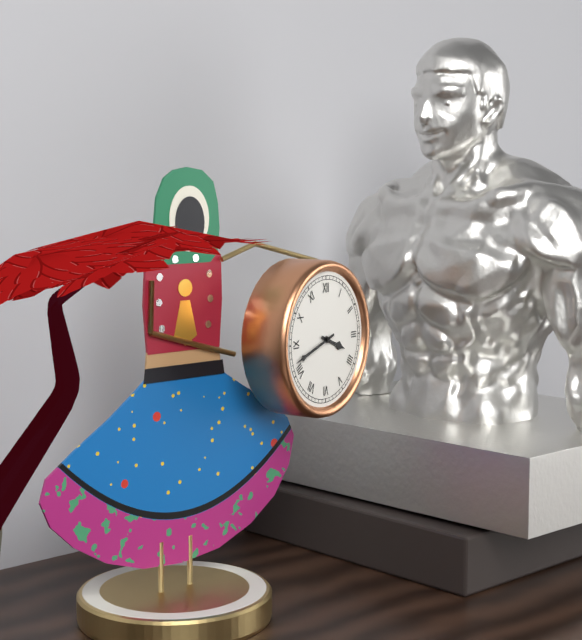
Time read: 3.42
